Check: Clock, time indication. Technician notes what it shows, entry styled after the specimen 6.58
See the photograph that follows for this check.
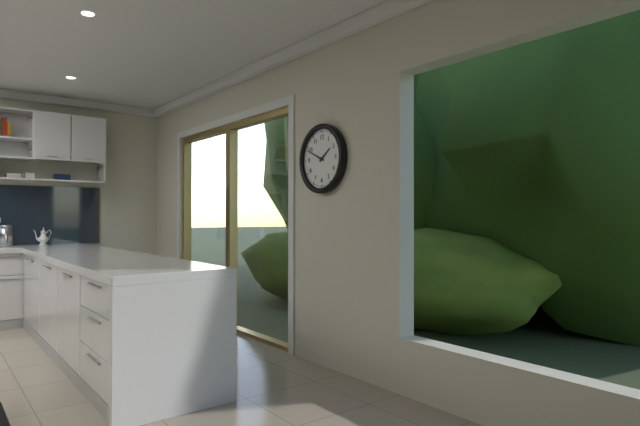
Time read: 1.49
